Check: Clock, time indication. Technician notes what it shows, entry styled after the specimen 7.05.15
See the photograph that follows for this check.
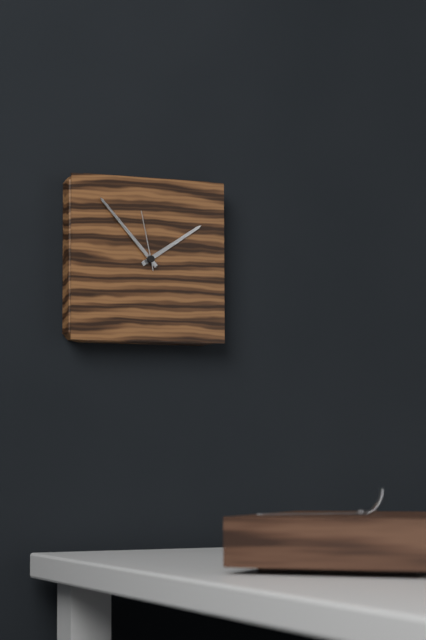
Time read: 1.53.58
